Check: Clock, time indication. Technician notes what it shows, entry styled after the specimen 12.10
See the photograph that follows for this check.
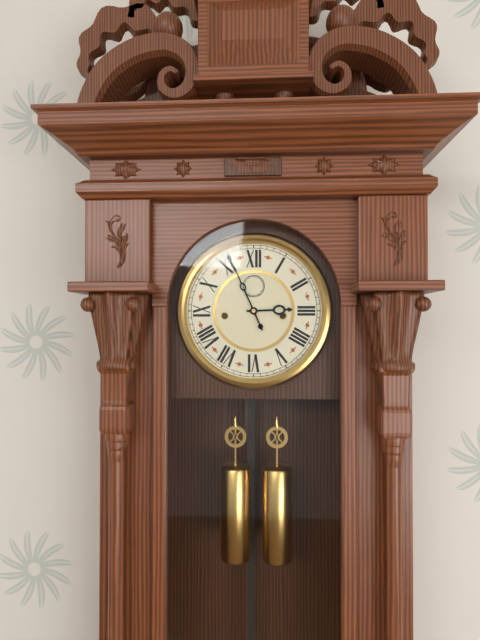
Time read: 2.56
